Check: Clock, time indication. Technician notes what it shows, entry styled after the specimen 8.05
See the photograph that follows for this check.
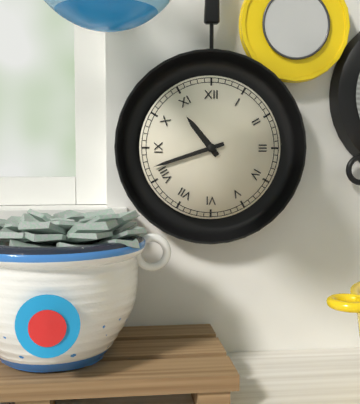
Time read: 10.42
